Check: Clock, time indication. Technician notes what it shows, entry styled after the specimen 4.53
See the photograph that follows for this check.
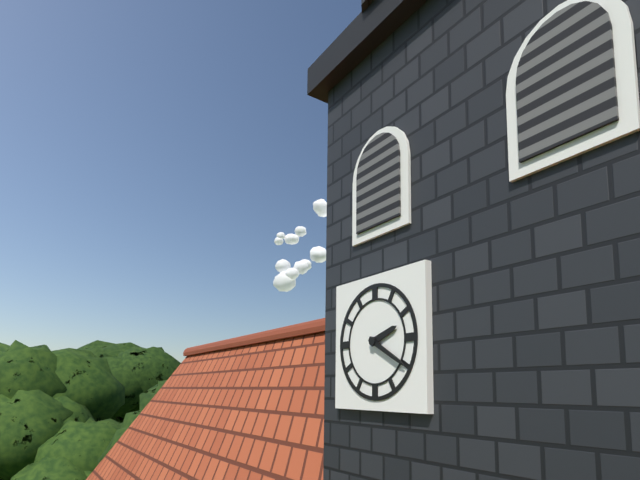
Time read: 2.20
